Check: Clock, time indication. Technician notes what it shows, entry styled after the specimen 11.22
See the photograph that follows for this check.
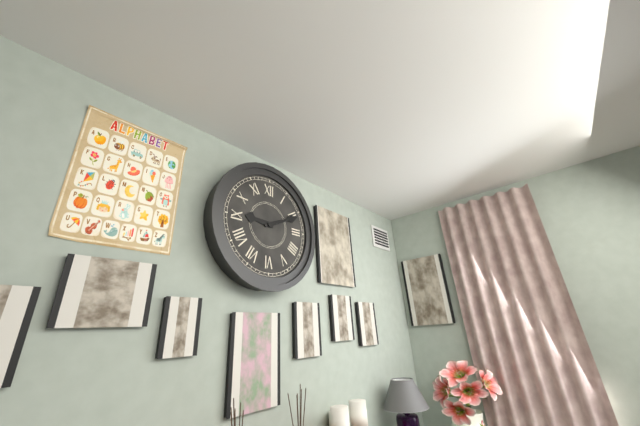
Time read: 9.11
